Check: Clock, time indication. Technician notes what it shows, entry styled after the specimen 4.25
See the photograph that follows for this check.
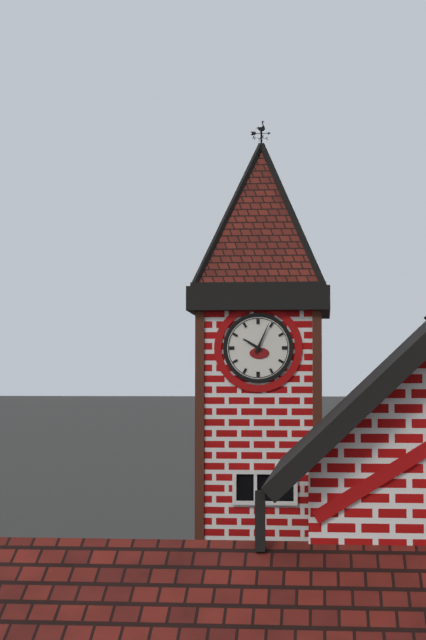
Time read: 10.04
